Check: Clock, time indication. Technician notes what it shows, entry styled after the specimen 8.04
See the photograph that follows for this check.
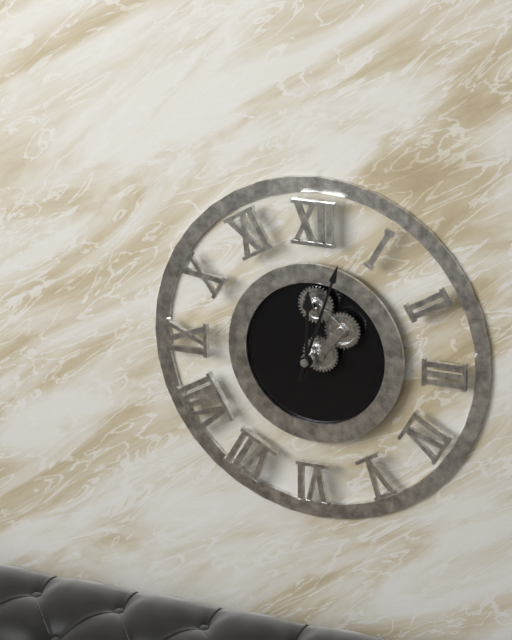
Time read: 12.03
